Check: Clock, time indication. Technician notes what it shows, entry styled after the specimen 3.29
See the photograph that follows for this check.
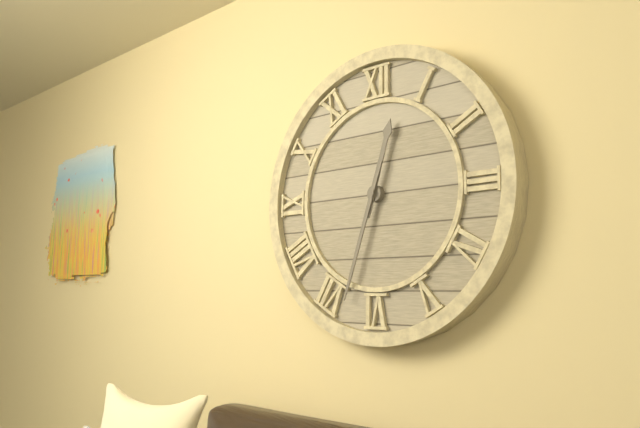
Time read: 12.33
